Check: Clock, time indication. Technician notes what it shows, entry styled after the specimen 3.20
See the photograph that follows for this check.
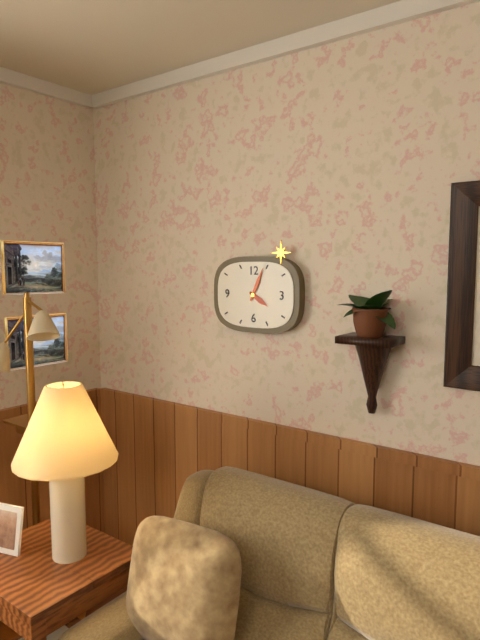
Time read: 4.04
